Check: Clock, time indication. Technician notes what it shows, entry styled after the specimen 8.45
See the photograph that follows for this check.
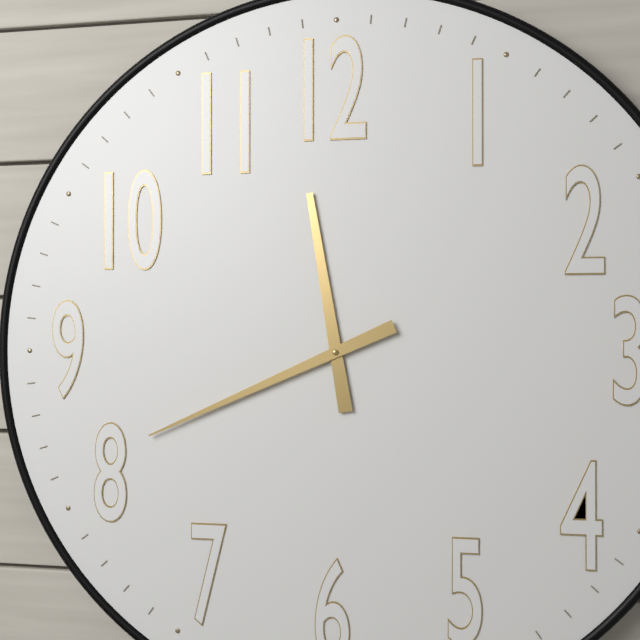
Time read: 11.41
